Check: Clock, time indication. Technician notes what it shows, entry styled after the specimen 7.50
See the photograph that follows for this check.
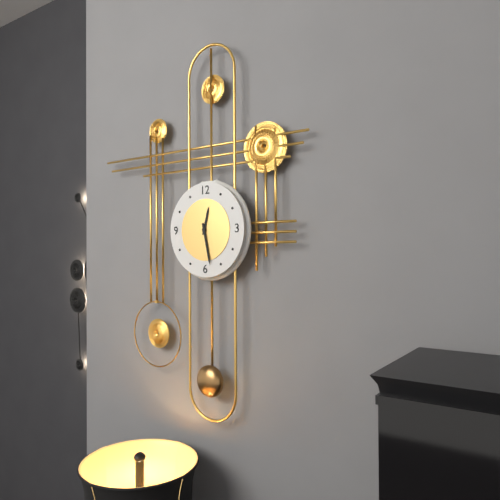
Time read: 12.28
